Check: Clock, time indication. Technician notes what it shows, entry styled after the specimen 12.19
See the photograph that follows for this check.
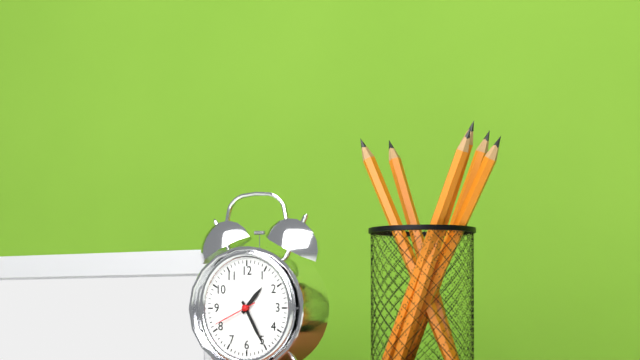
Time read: 1.25
